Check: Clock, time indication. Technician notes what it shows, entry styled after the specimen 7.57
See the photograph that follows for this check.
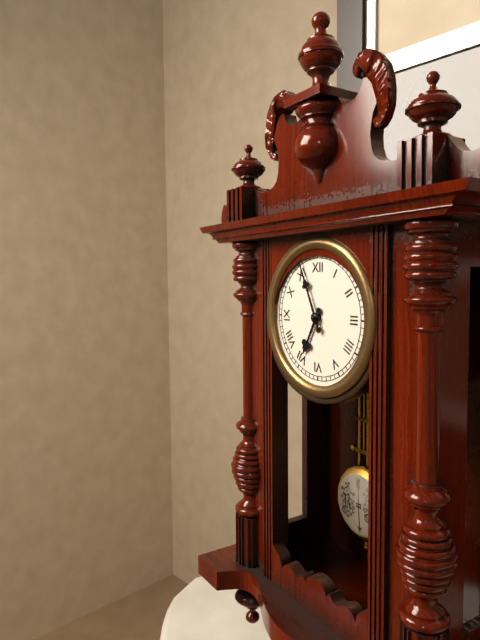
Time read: 6.56
